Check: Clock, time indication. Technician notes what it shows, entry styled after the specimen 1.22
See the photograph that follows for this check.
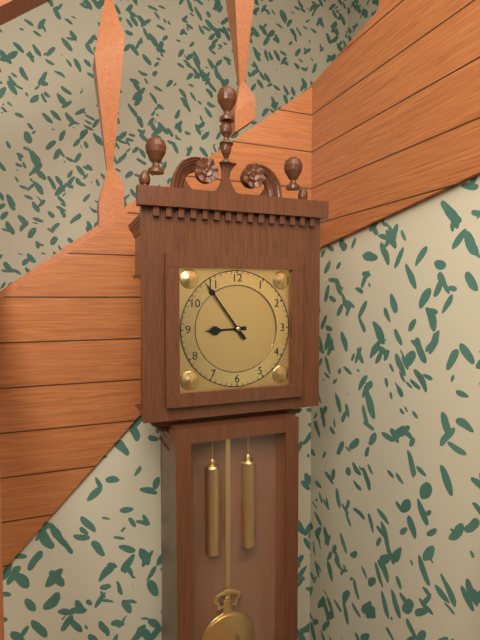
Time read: 8.54
